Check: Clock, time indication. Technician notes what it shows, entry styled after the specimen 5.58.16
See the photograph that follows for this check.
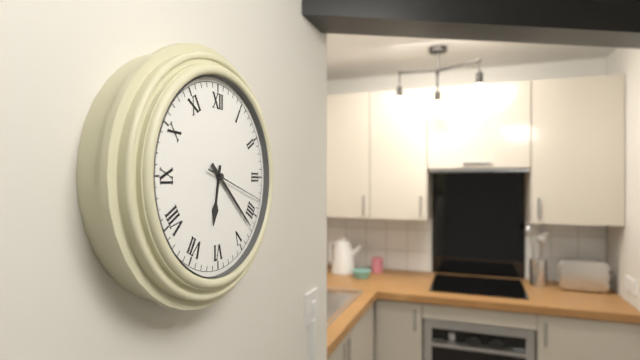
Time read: 6.22.18
